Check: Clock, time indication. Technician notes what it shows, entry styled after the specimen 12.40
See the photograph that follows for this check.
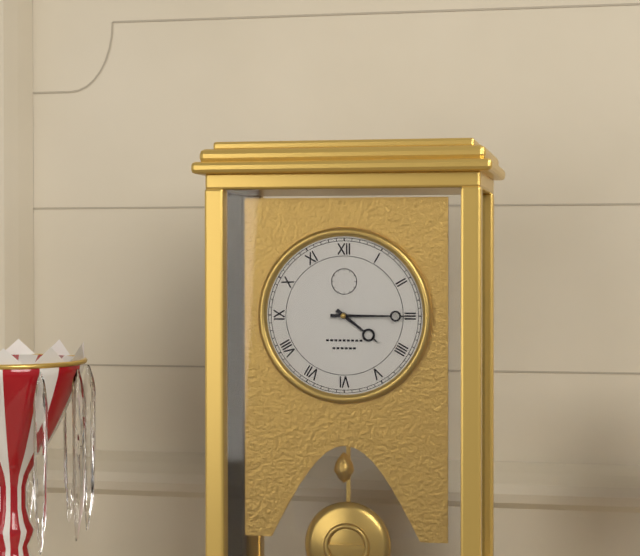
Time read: 4.15
